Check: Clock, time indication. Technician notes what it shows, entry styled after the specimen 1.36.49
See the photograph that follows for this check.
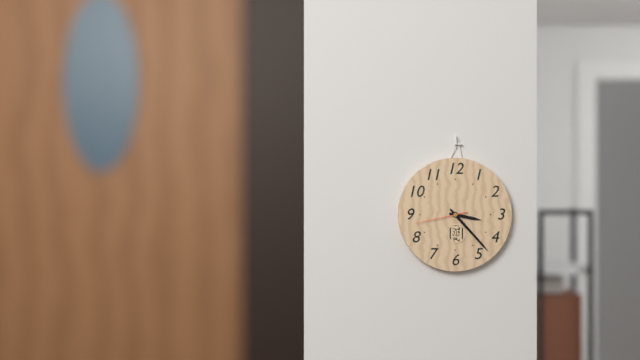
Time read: 3.23.43
